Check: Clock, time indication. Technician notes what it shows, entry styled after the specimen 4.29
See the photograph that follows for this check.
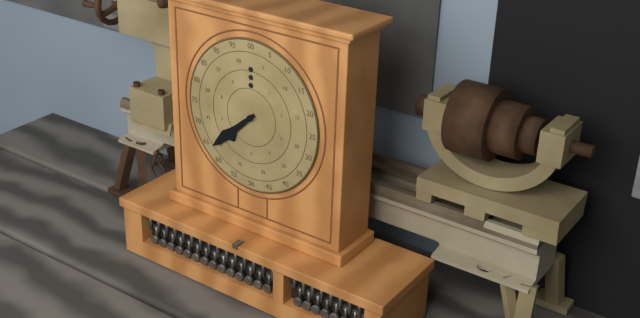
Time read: 7.38
